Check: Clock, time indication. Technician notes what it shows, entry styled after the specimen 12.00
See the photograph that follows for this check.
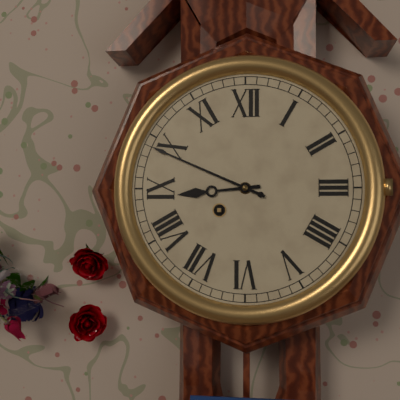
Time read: 8.49
